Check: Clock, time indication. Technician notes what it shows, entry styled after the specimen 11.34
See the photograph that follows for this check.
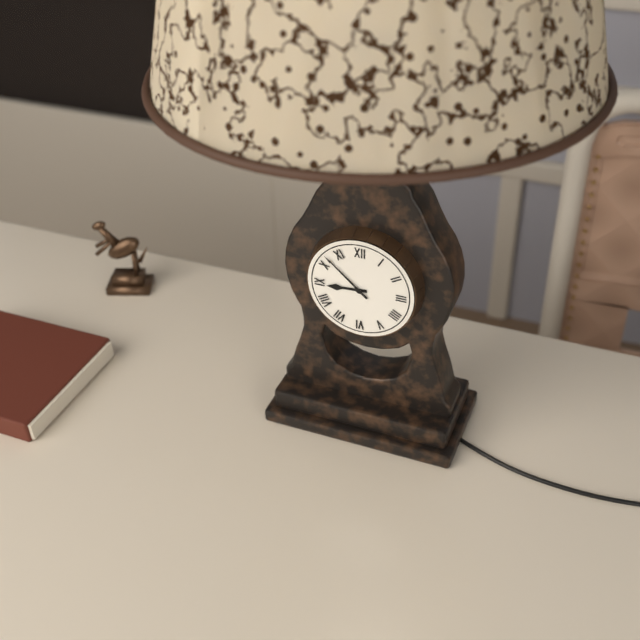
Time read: 8.52
